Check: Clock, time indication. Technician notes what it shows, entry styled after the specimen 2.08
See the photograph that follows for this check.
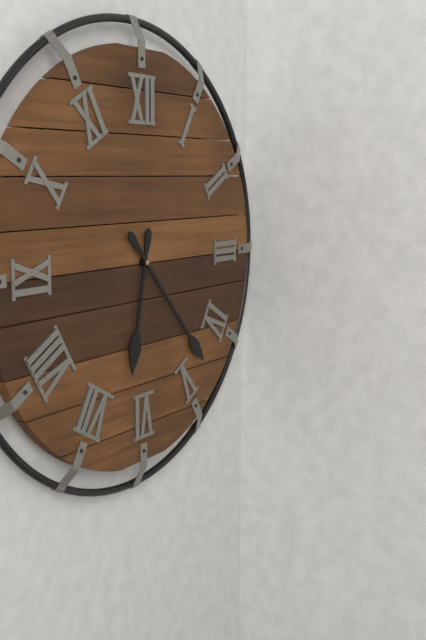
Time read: 6.23
